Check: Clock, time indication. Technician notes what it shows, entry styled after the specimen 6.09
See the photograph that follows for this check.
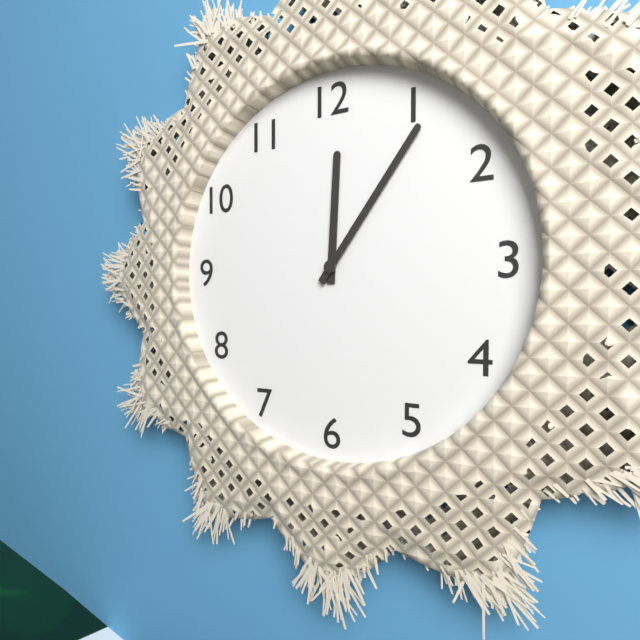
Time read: 12.06
